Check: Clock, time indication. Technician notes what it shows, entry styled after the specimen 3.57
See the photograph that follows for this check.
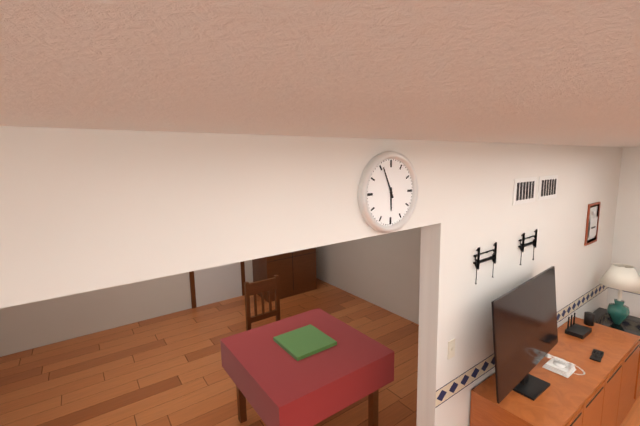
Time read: 5.56
